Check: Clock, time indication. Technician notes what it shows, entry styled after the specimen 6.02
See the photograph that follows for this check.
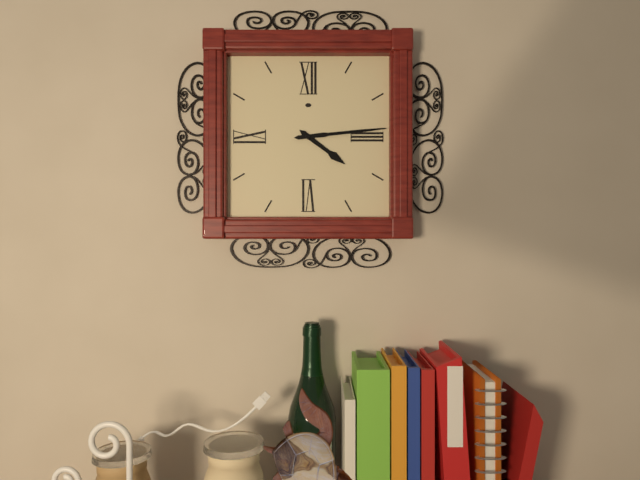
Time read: 4.14
